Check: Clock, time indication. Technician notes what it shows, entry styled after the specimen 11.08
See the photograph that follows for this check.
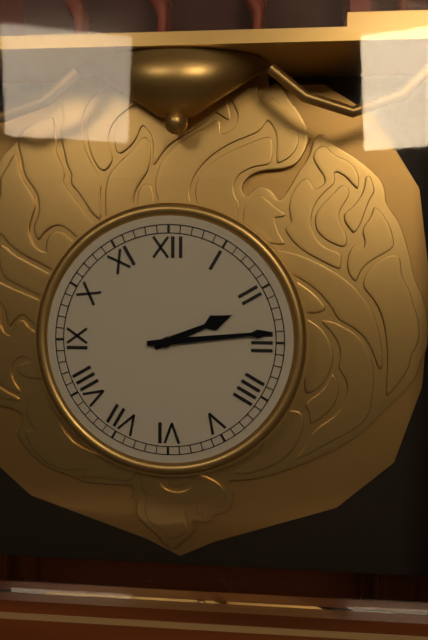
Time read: 2.14
